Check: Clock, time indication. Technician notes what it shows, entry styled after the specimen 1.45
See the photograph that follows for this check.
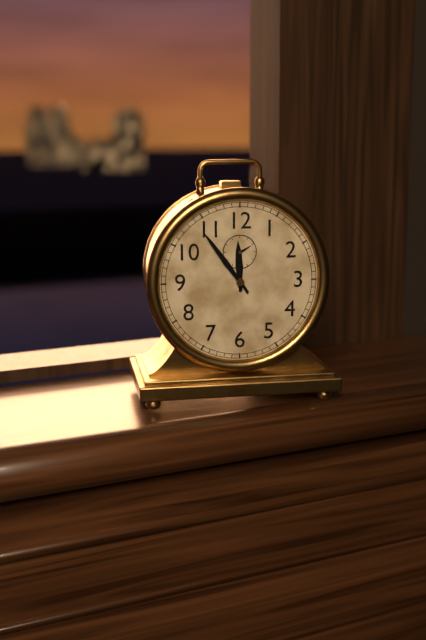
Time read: 11.54
